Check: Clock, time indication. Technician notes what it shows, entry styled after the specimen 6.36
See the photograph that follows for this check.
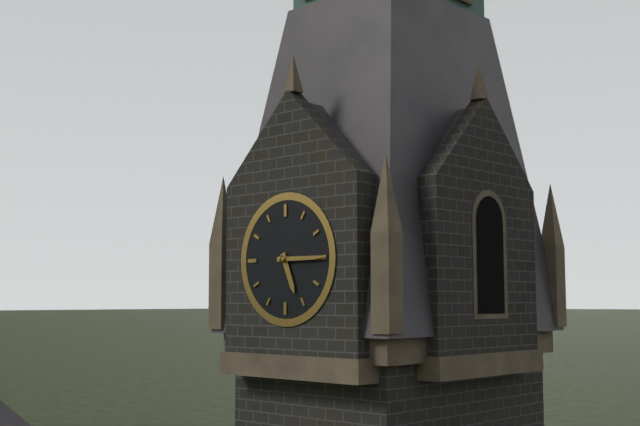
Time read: 5.15
